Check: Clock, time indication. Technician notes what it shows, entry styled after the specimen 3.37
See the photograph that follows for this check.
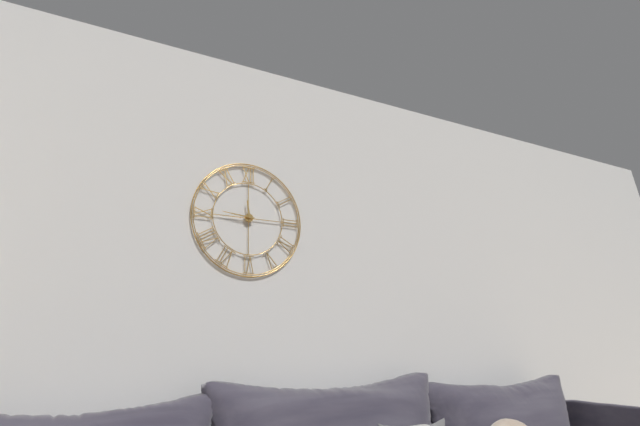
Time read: 11.46
